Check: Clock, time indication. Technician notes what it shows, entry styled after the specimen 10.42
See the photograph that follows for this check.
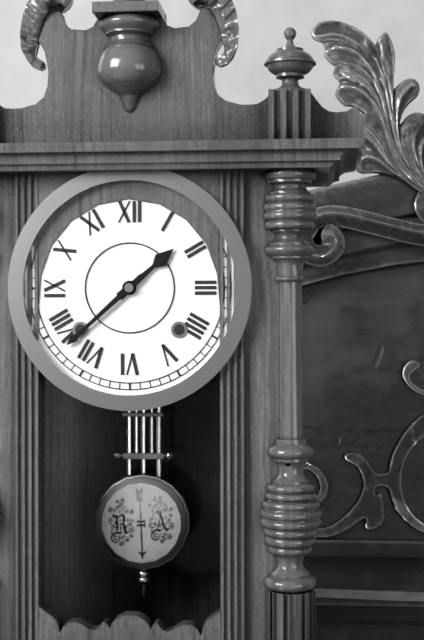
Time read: 1.38
